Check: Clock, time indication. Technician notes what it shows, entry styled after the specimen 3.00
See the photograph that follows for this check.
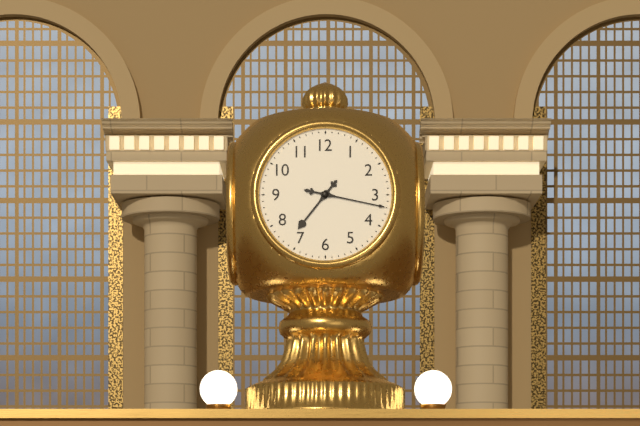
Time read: 7.17
